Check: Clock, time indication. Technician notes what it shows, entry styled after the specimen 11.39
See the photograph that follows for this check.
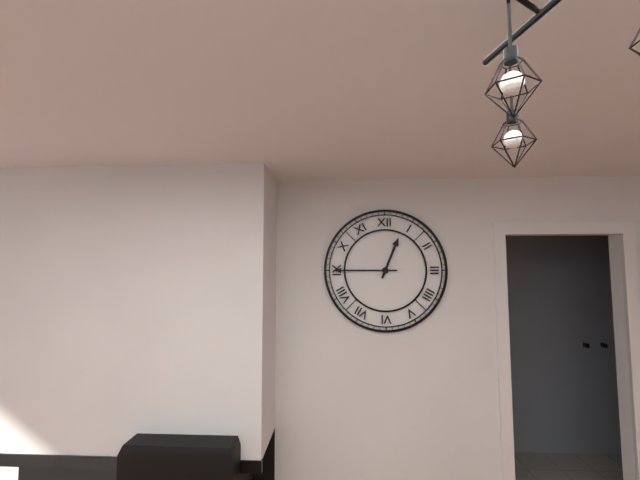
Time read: 12.45
